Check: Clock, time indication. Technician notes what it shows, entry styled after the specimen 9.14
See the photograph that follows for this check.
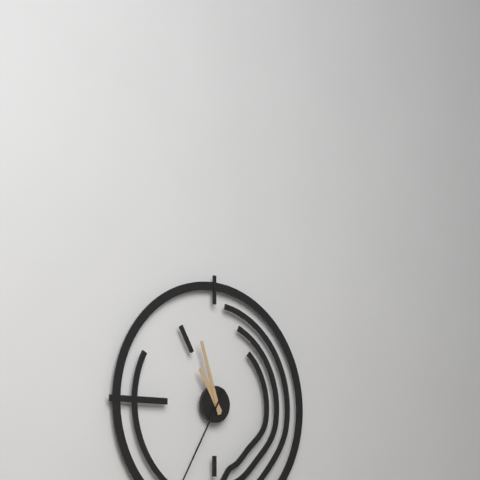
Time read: 10.57
